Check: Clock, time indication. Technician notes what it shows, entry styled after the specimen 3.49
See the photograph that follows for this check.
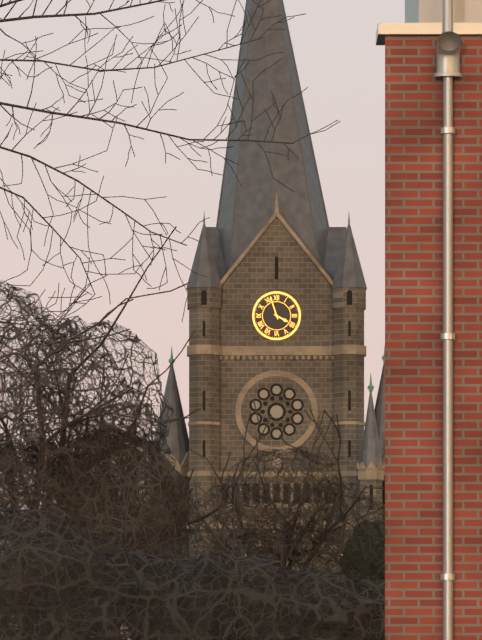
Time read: 3.57
